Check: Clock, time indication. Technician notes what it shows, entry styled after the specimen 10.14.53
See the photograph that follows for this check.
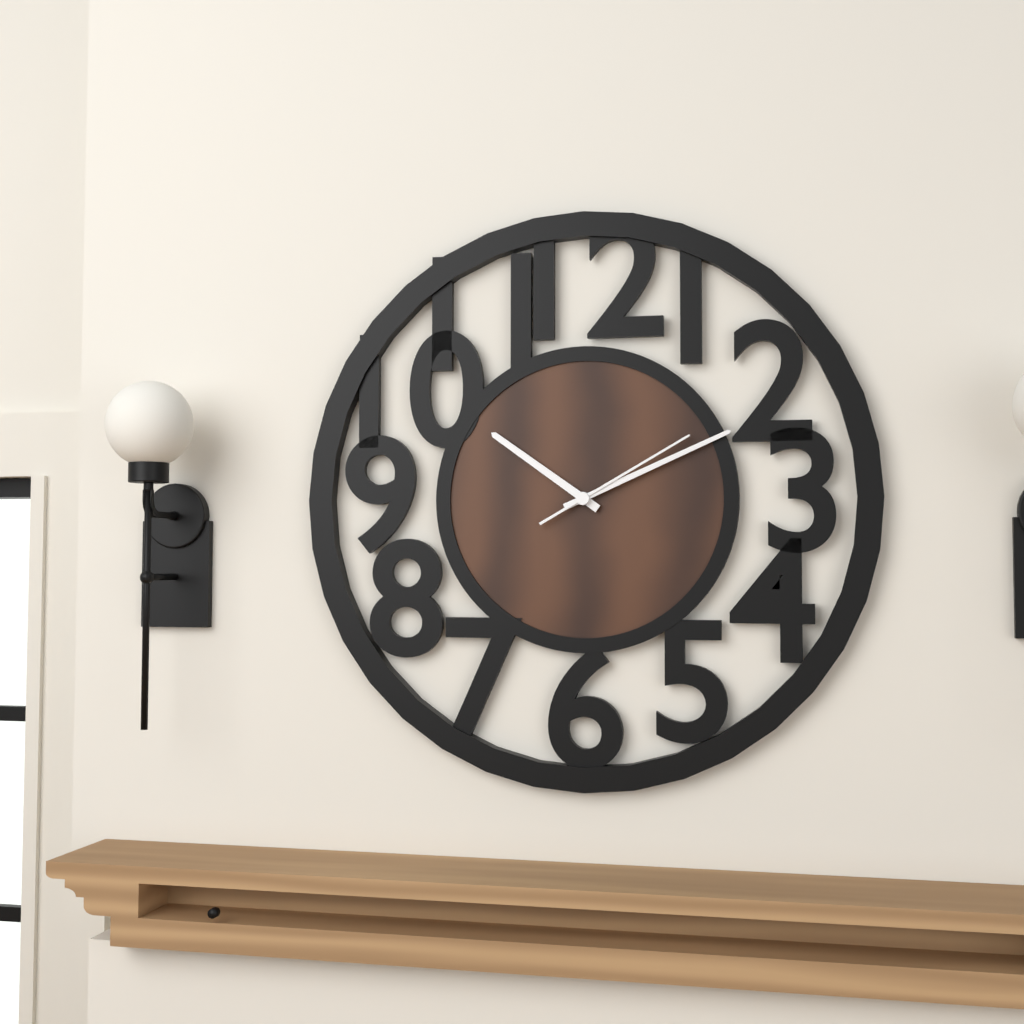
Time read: 10.11.10
